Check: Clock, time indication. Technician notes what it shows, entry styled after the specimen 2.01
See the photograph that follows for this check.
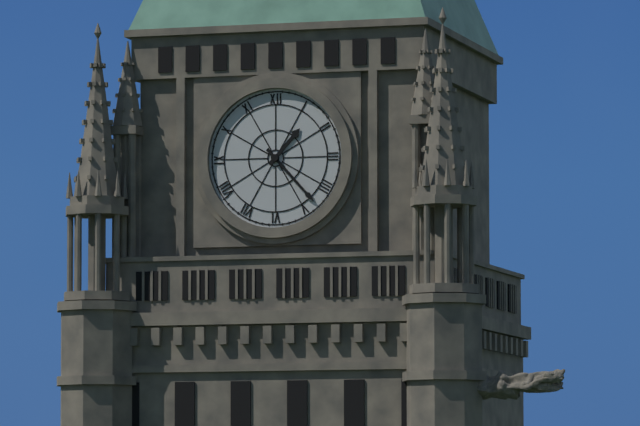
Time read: 1.23
